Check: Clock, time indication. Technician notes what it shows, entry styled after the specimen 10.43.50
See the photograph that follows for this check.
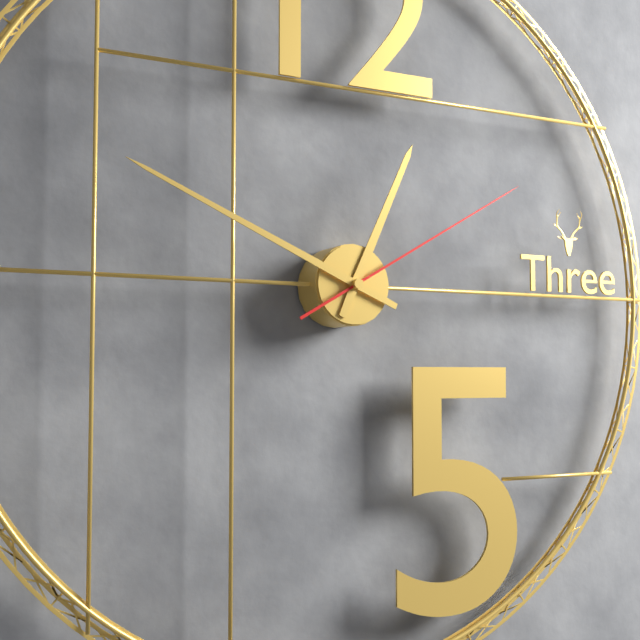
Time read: 12.49.10
